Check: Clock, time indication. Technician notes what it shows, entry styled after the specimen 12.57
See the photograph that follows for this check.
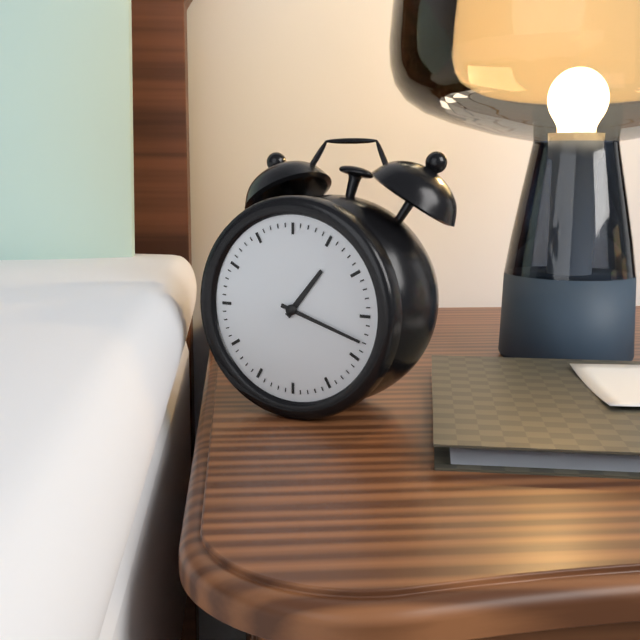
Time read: 1.18
